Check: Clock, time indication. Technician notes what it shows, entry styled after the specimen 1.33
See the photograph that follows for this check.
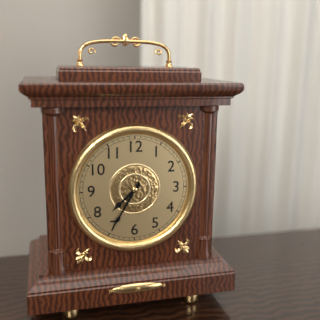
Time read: 7.35
